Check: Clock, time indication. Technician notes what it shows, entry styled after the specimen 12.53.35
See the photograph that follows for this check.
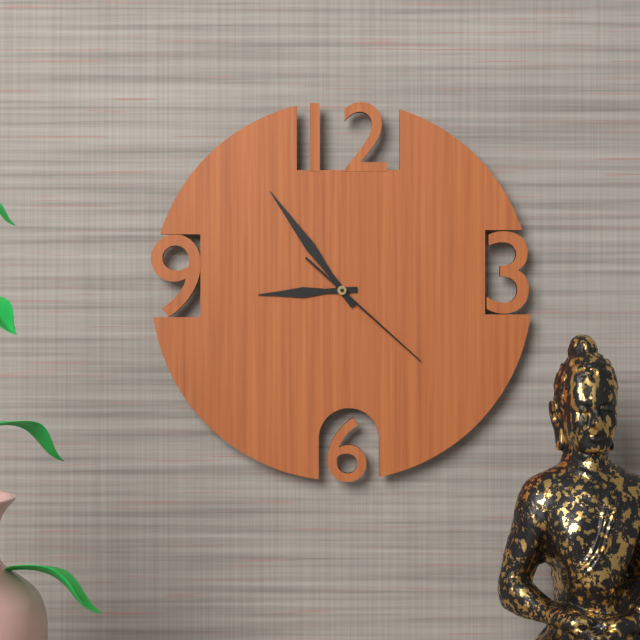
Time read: 8.54.22
